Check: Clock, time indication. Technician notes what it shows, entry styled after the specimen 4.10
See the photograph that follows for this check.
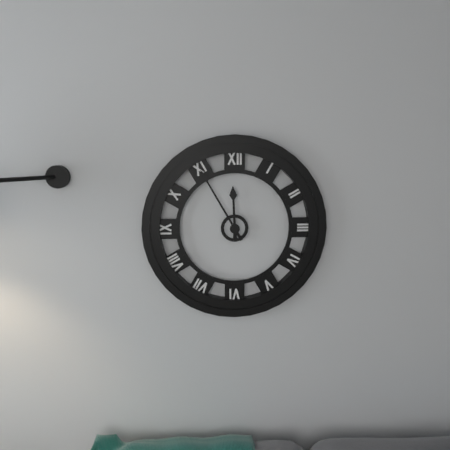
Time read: 11.55
